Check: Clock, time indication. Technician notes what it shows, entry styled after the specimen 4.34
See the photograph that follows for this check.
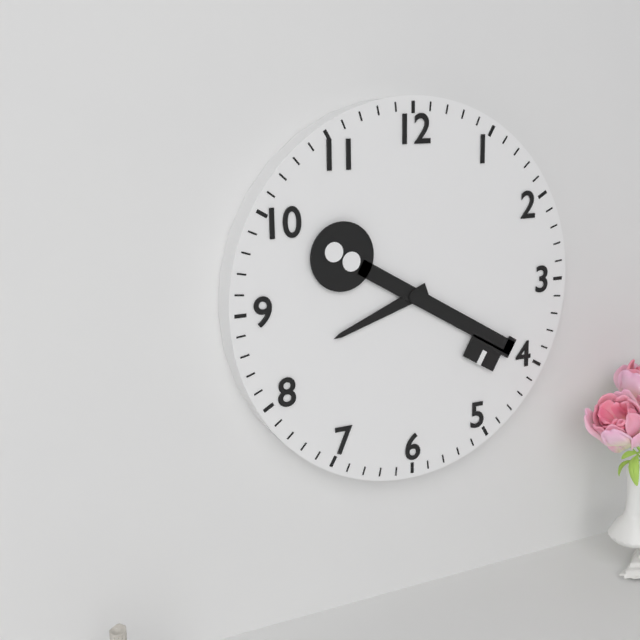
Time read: 8.20
